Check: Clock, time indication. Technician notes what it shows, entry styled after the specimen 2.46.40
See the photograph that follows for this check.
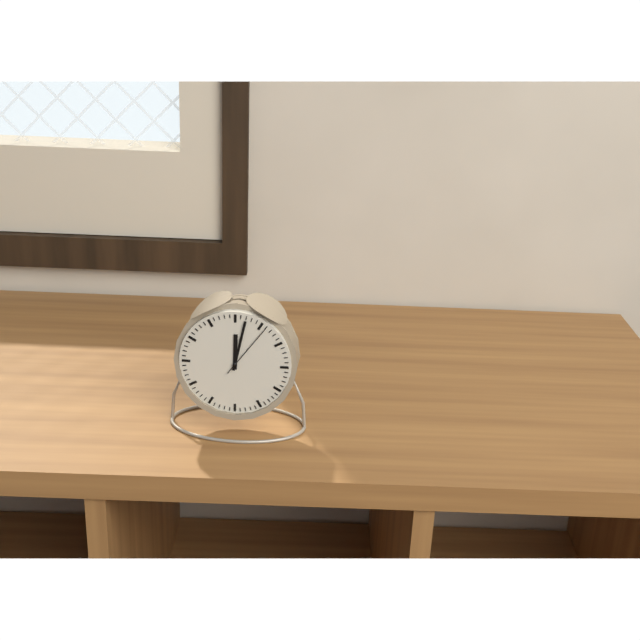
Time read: 12.02.06
